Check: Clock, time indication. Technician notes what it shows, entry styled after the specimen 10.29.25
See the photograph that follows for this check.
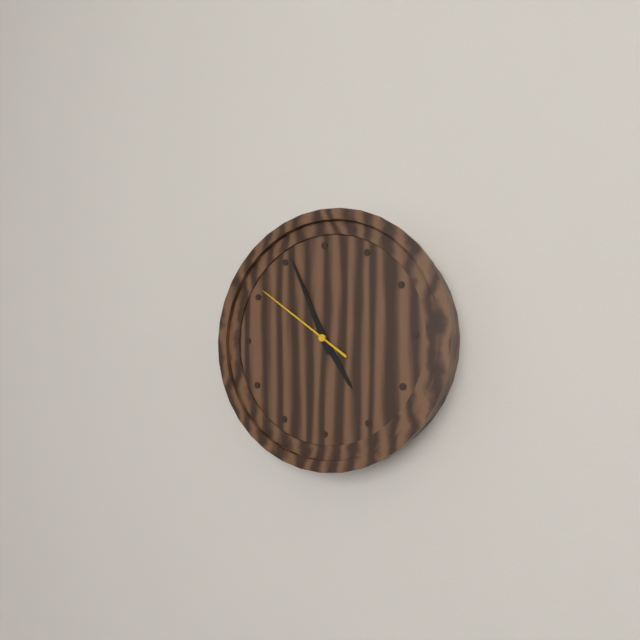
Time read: 4.56.51
